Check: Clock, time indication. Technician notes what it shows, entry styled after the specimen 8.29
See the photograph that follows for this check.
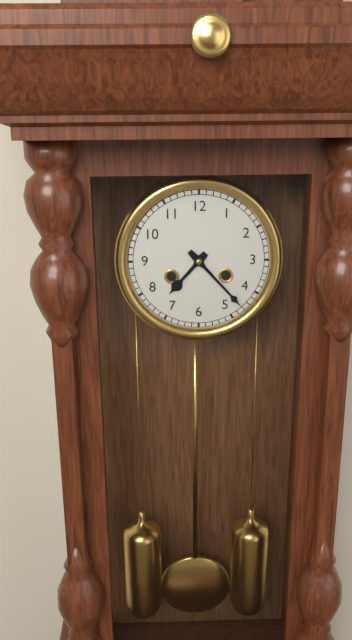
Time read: 7.23
